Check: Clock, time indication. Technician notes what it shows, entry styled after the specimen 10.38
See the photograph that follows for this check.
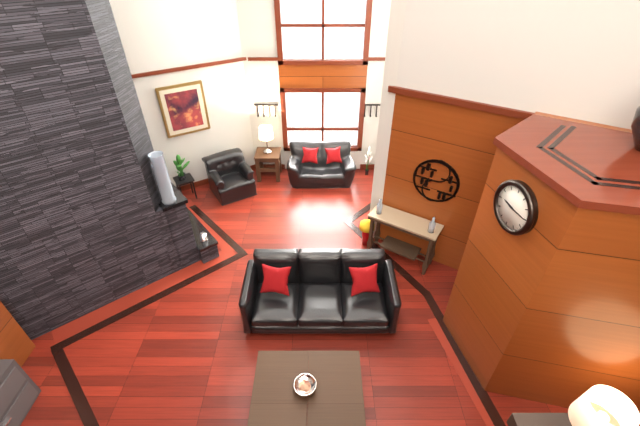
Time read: 9.15
